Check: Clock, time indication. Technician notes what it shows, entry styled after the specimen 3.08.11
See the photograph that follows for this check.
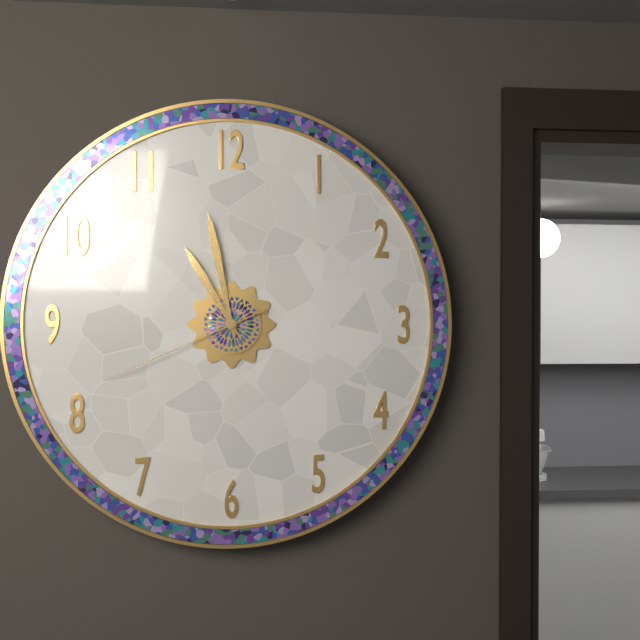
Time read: 10.58.41
